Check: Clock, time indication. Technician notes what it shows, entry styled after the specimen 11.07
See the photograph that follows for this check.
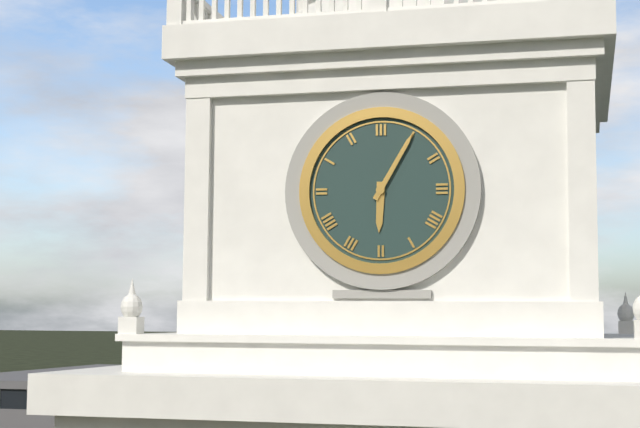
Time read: 6.05
